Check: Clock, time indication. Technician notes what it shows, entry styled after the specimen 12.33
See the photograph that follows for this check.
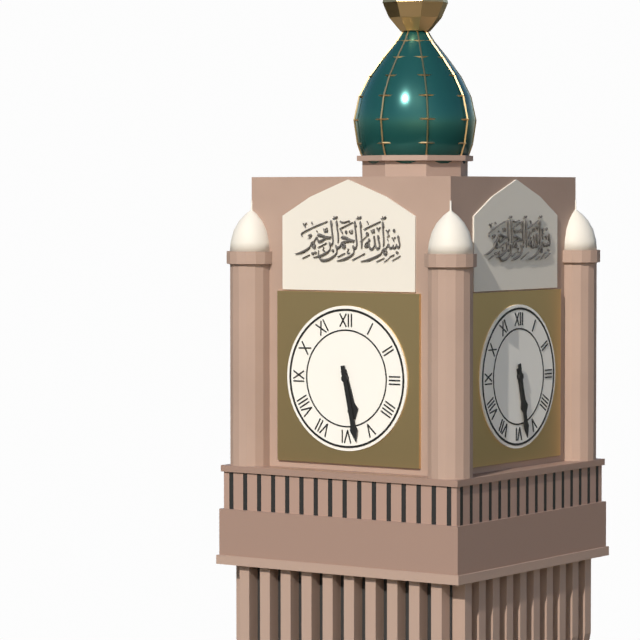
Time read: 5.28
